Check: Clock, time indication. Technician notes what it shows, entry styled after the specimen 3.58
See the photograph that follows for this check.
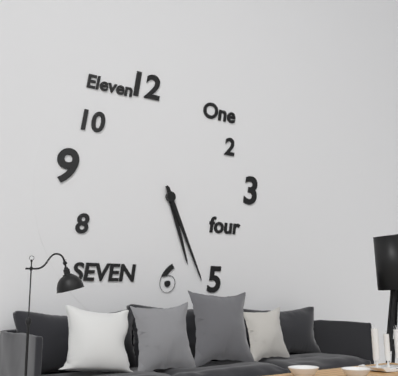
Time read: 5.26
